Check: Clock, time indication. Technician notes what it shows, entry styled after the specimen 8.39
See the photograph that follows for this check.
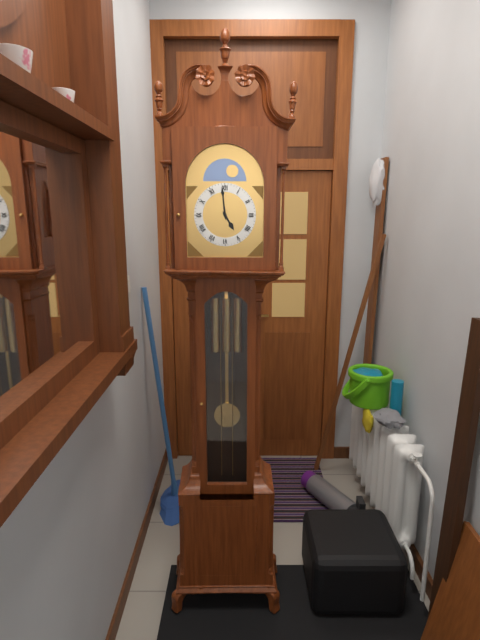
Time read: 4.59
